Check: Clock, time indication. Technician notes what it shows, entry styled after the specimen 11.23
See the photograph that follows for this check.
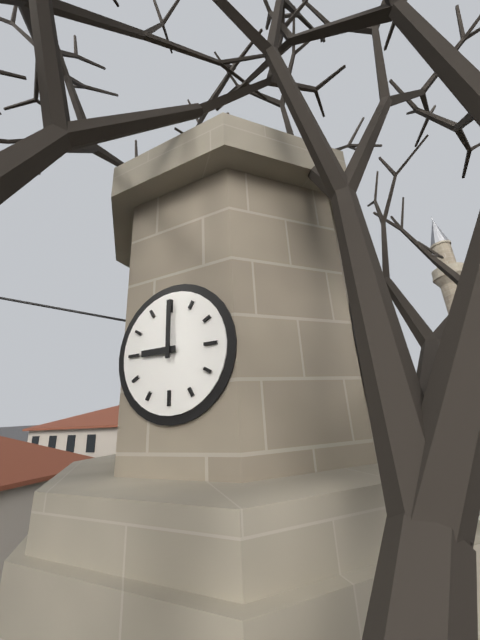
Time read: 9.00
